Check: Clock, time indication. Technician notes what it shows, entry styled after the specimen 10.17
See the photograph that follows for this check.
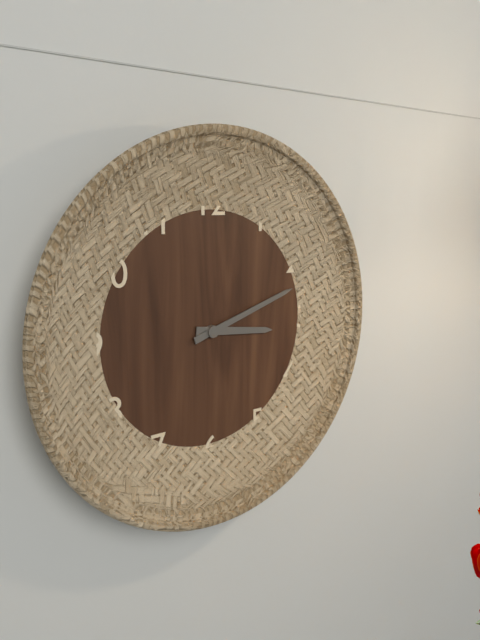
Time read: 3.12
